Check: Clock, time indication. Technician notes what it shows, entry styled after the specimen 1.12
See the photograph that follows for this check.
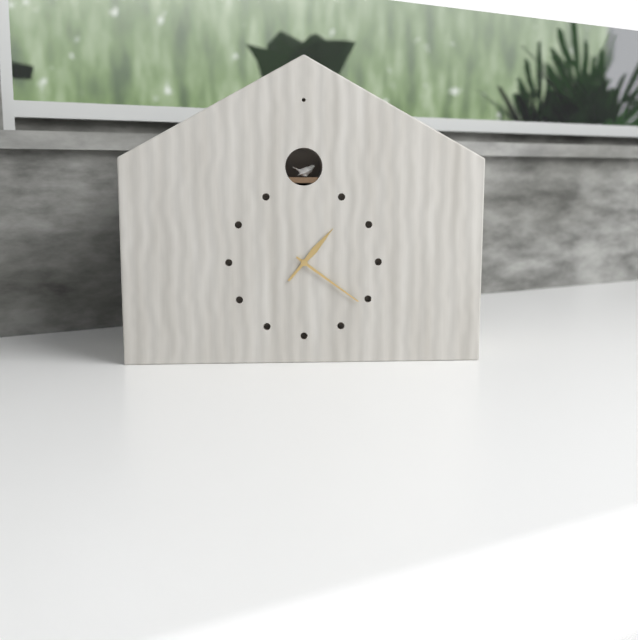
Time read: 1.21
